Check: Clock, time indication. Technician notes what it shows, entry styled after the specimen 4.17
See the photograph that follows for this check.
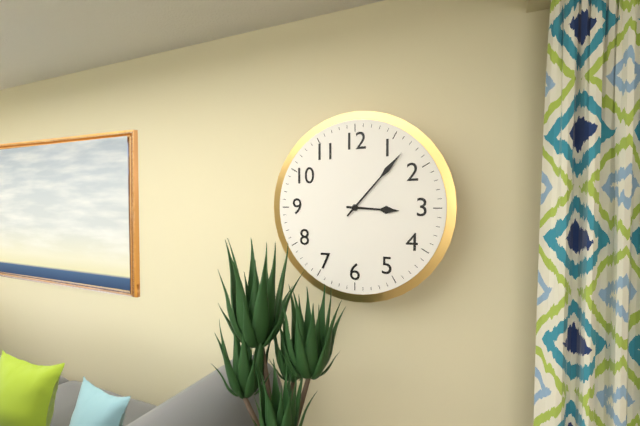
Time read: 3.07
